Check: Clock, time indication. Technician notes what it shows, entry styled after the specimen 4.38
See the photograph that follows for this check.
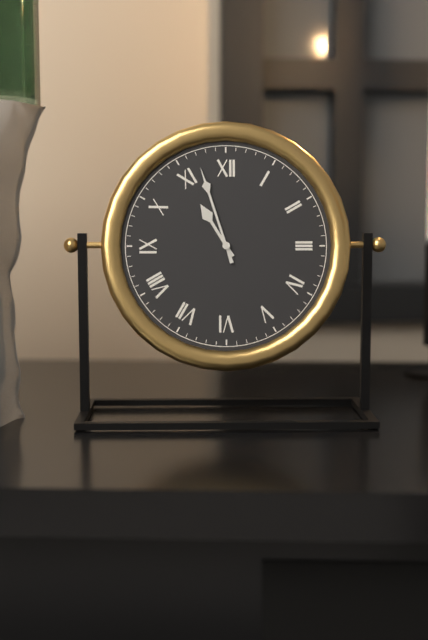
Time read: 10.57
